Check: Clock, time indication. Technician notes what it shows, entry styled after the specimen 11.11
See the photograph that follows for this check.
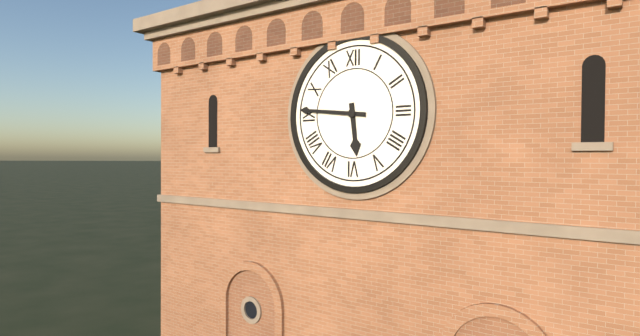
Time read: 5.46
